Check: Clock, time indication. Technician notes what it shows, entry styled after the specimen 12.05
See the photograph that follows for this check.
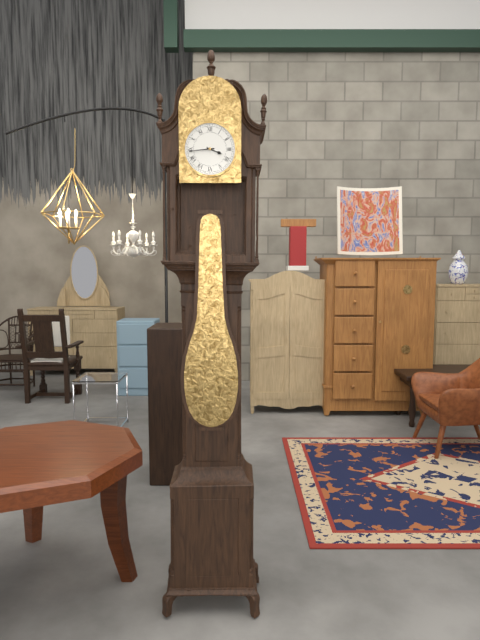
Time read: 3.44
